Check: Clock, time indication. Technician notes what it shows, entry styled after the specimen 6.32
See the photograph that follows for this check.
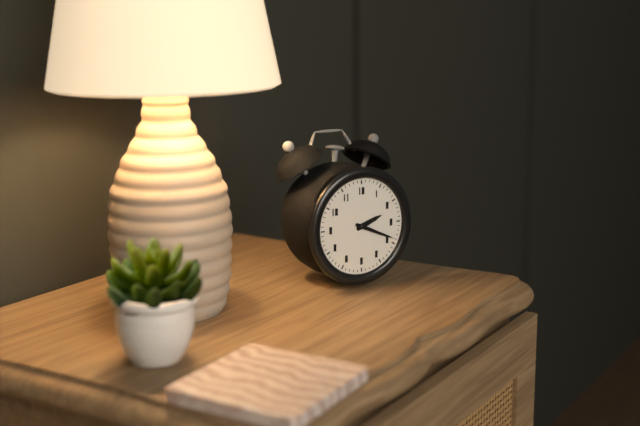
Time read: 2.19
